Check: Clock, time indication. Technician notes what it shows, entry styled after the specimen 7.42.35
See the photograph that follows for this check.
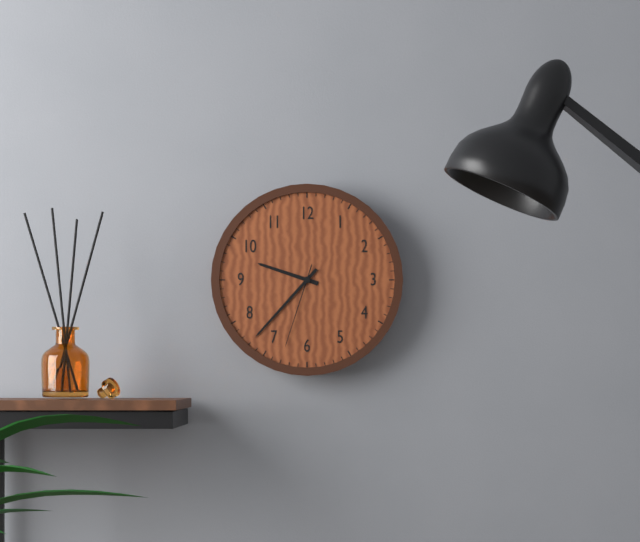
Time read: 9.37.33
